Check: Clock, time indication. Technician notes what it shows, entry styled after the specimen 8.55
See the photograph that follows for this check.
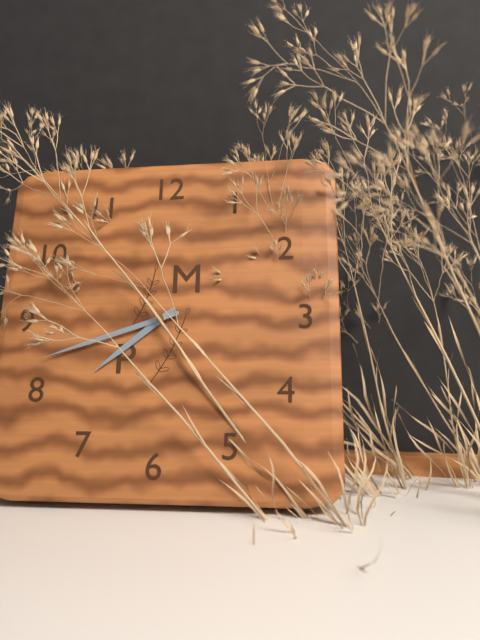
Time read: 7.42
